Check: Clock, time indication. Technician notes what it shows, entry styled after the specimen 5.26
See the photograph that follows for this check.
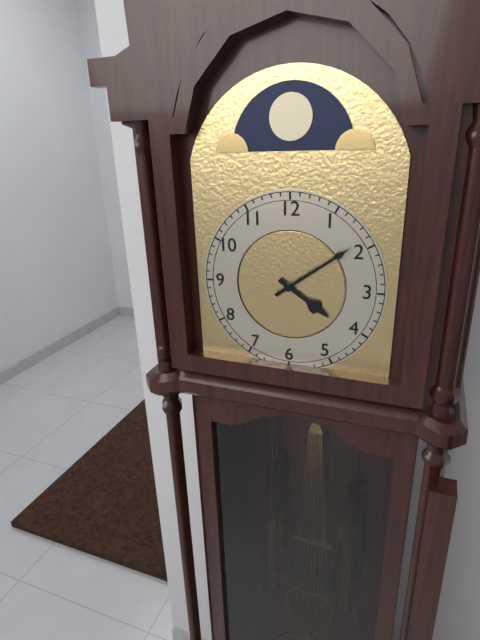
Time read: 4.09
